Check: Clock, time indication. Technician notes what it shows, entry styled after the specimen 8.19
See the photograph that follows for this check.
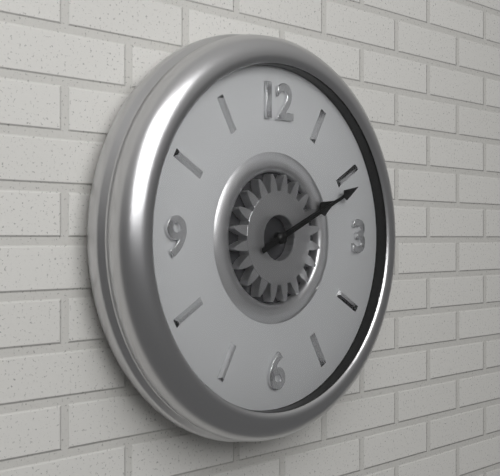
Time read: 2.11
